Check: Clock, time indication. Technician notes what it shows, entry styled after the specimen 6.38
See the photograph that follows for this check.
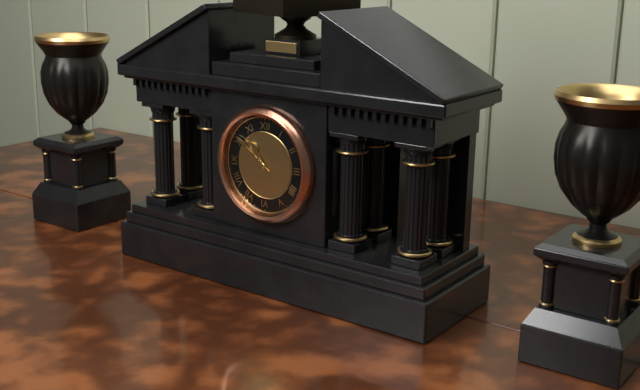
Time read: 10.51
